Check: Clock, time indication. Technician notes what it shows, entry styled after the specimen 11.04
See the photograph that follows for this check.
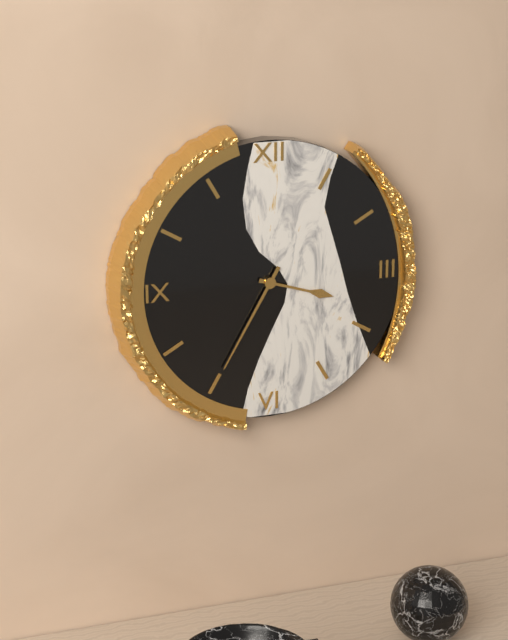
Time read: 3.35
